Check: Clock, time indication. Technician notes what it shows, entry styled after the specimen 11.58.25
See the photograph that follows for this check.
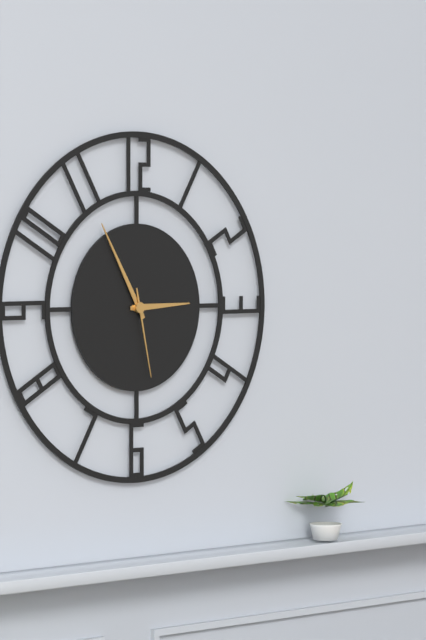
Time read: 2.55.28
